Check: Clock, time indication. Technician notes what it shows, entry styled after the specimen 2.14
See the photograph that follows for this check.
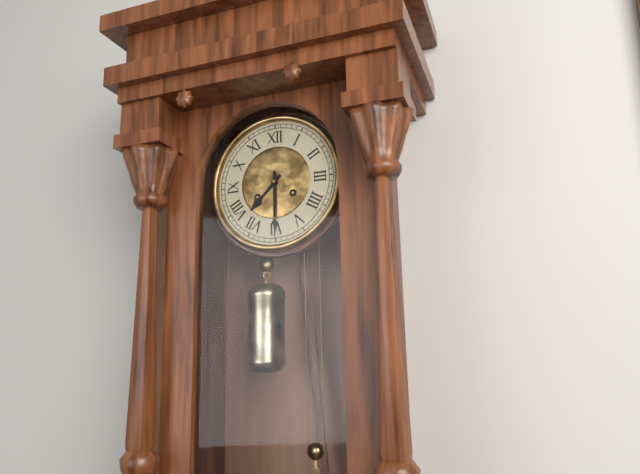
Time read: 7.30
